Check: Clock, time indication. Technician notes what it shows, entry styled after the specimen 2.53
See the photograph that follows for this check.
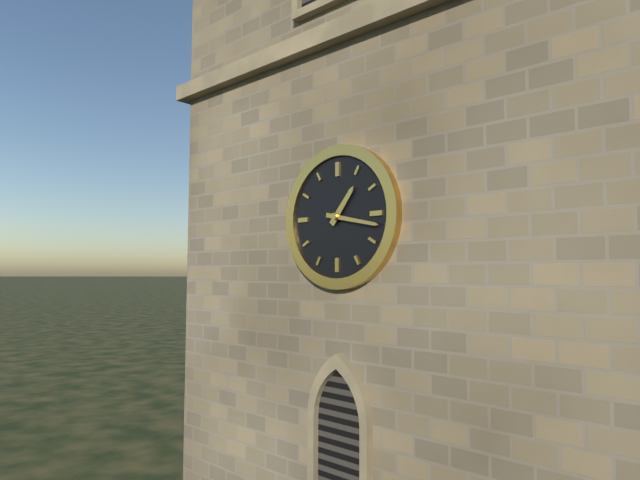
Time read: 1.17
